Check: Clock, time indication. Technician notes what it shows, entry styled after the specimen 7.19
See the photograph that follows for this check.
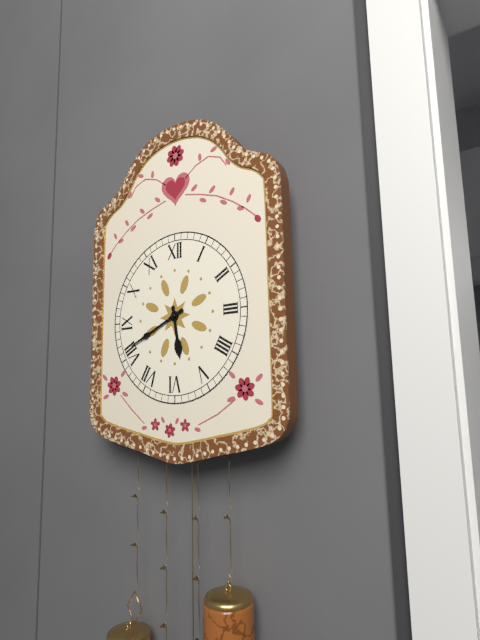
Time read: 5.41
